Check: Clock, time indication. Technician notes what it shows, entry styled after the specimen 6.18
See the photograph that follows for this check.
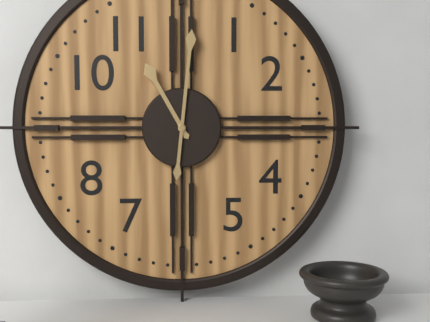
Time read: 11.01
